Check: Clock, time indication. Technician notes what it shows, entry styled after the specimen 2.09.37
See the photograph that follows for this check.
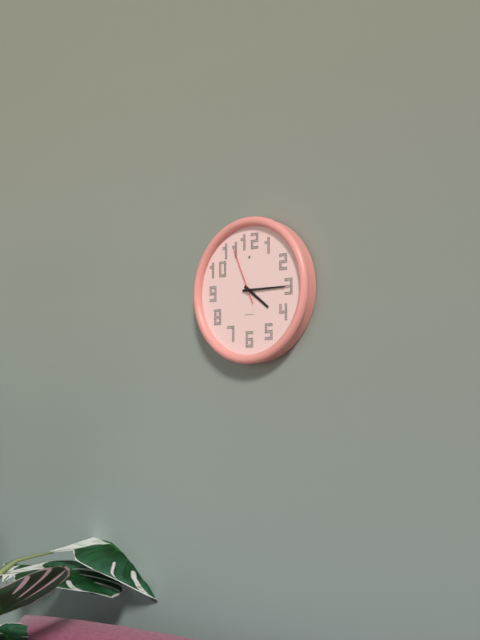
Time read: 4.15.56
